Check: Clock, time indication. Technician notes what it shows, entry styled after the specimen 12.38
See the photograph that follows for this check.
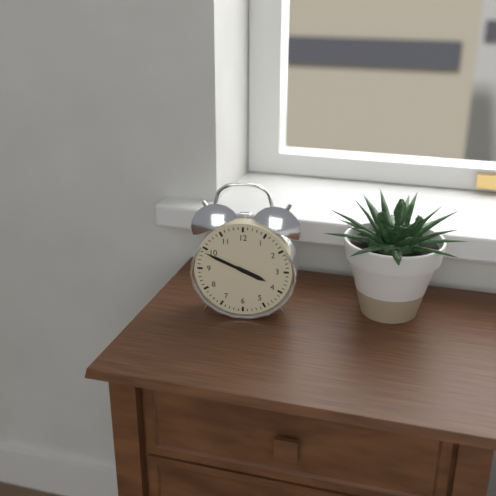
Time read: 3.49
